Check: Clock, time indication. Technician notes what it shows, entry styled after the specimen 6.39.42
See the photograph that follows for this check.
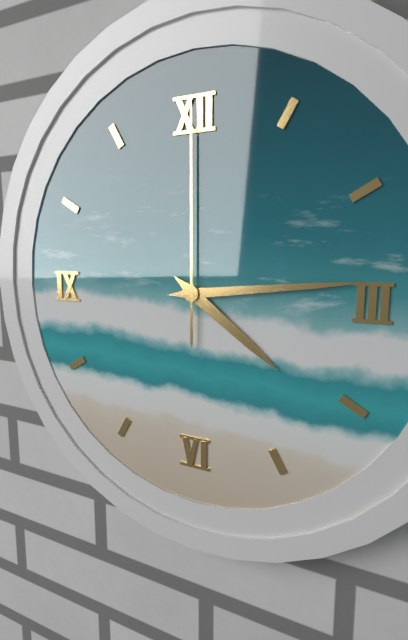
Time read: 4.14.00
